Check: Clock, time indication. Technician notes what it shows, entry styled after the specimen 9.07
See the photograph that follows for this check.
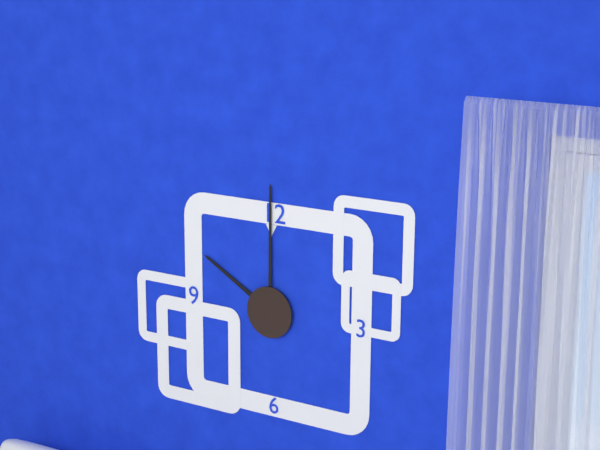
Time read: 10.00
